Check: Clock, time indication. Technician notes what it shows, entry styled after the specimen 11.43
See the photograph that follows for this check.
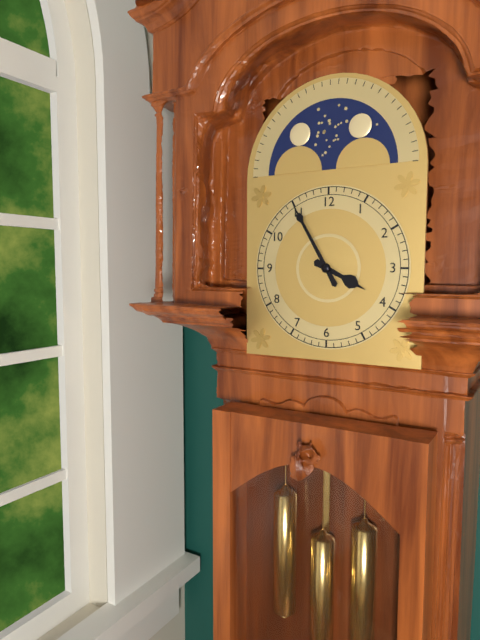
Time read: 3.55
